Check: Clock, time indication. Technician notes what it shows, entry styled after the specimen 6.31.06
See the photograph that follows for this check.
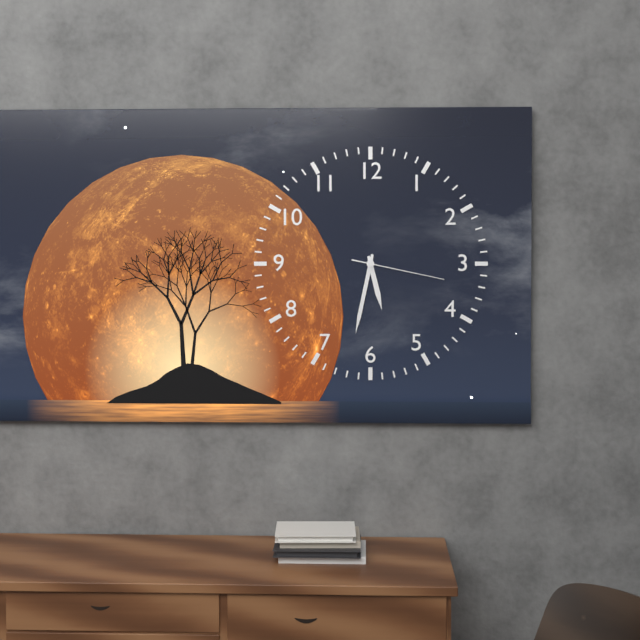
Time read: 5.32.17
